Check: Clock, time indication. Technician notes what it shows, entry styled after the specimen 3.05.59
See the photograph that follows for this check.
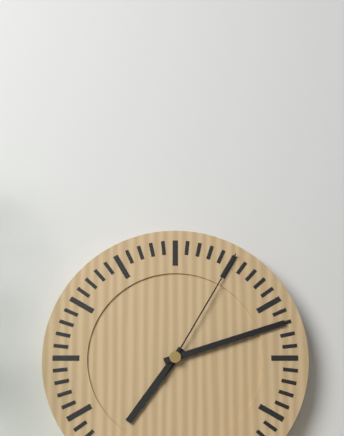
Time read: 7.12.05
